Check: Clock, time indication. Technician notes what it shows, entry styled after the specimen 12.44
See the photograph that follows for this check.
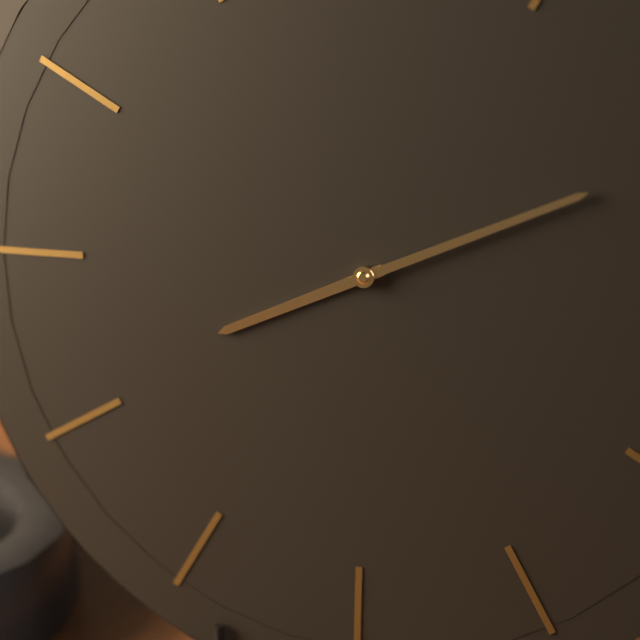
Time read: 8.11
